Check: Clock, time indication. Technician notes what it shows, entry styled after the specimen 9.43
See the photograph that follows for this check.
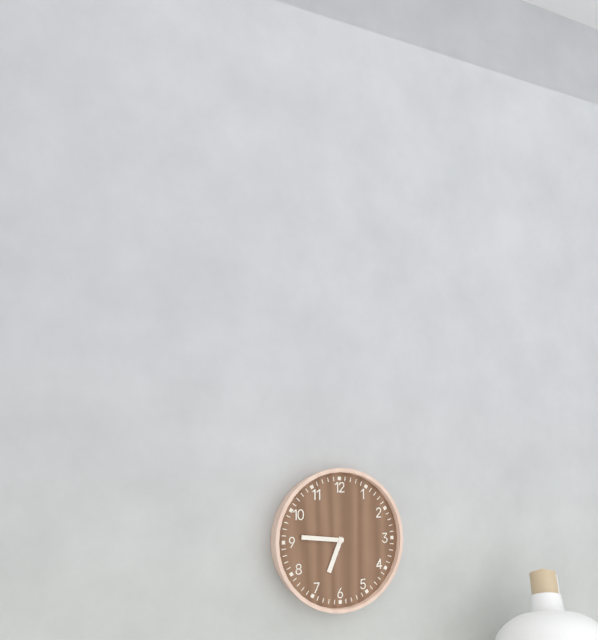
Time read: 6.46
